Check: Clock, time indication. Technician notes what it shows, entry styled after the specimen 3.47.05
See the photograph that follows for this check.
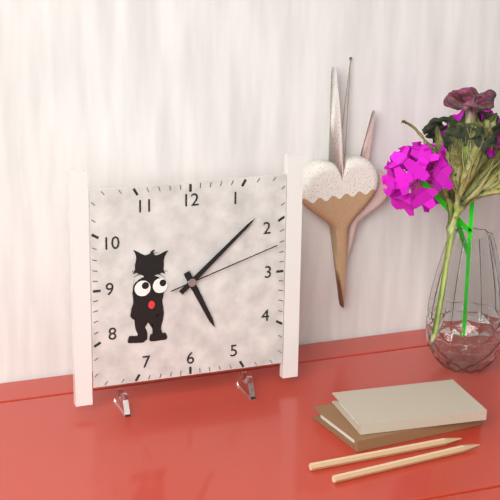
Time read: 5.08.12
